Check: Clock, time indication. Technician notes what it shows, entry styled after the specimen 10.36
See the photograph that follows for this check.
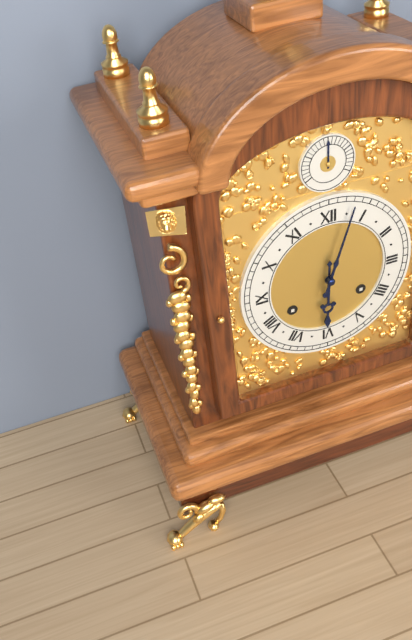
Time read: 6.03
